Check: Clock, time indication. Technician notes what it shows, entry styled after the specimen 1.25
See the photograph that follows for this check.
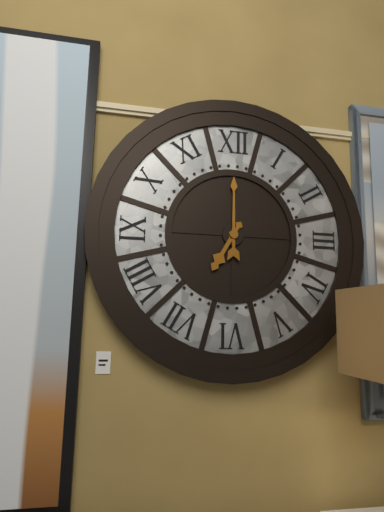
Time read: 7.00
